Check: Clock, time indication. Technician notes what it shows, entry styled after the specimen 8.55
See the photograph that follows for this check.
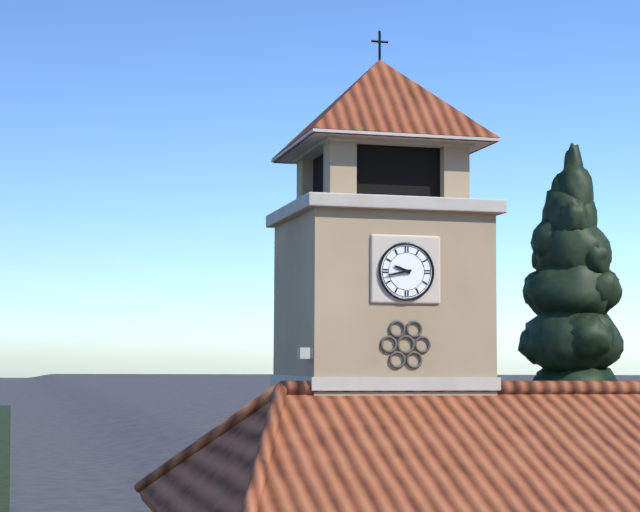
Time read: 9.43
